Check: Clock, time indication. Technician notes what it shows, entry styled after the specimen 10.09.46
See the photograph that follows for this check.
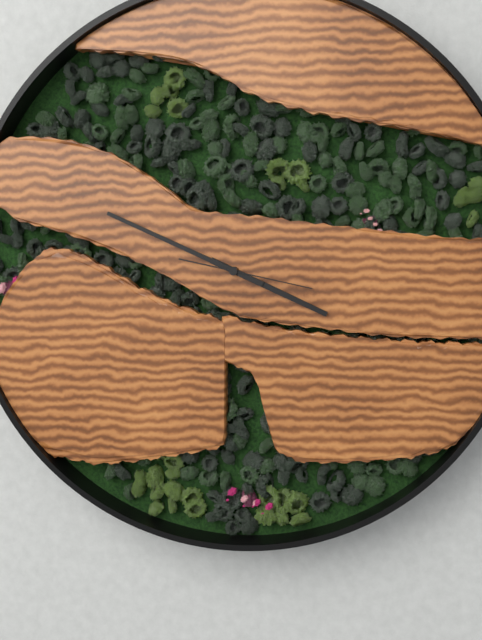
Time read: 3.49.17
